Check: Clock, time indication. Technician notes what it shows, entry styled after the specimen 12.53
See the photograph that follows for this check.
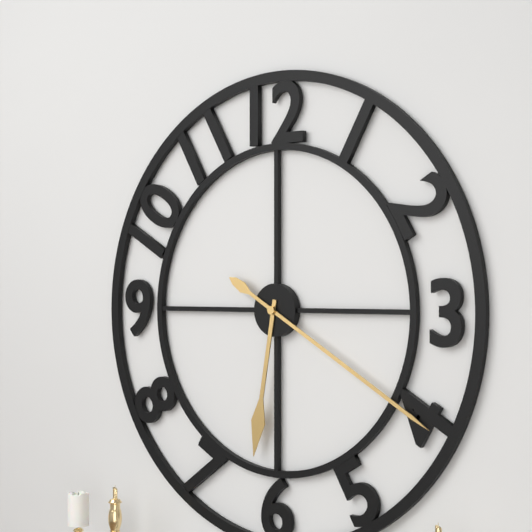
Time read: 6.20
